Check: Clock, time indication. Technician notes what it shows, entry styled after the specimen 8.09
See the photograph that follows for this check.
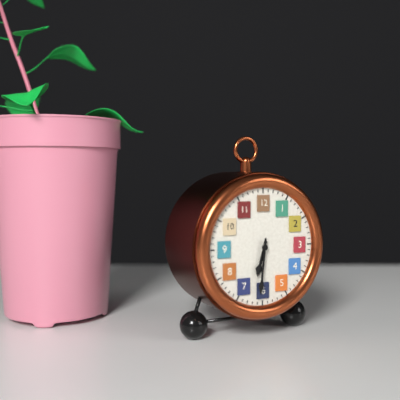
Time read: 6.31
